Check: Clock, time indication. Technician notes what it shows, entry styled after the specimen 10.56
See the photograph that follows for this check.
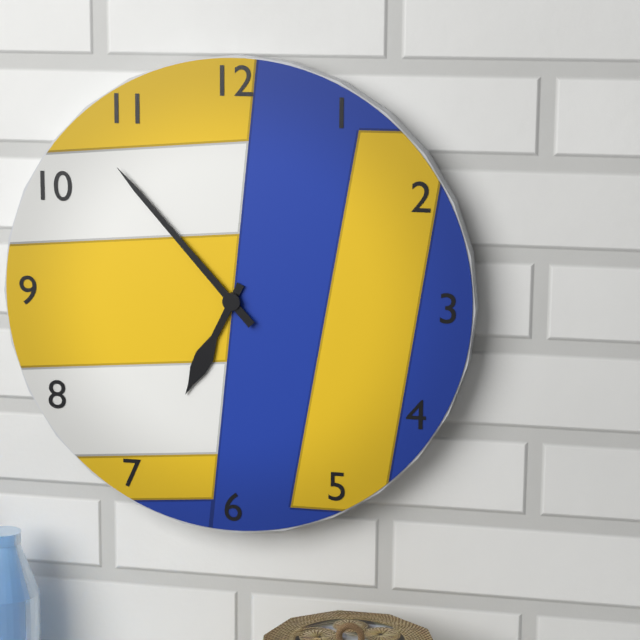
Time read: 6.53
